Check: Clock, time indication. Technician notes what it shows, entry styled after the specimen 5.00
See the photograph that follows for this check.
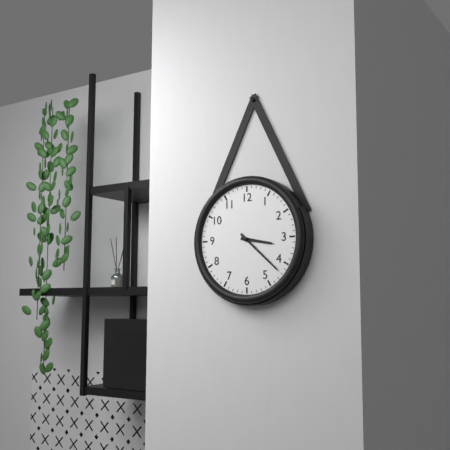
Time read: 3.22
